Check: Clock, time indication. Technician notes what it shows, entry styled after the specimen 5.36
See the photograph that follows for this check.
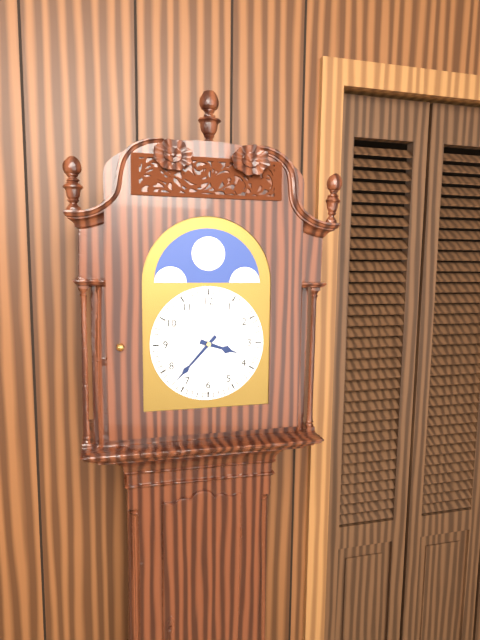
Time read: 3.37
